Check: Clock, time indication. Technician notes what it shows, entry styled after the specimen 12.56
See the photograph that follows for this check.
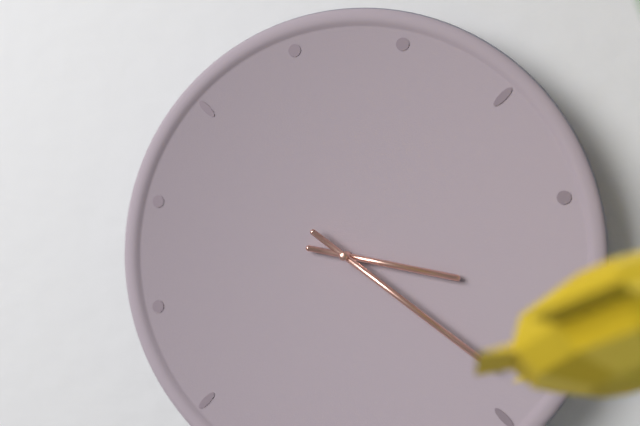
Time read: 3.21
